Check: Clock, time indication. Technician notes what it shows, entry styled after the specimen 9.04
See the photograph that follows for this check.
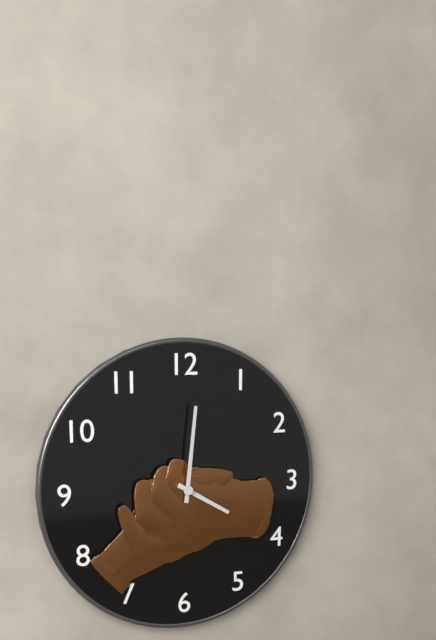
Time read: 4.01
